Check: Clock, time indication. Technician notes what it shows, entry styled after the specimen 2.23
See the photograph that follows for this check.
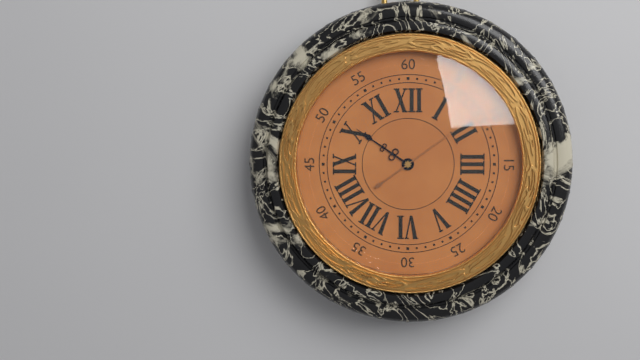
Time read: 10.09
